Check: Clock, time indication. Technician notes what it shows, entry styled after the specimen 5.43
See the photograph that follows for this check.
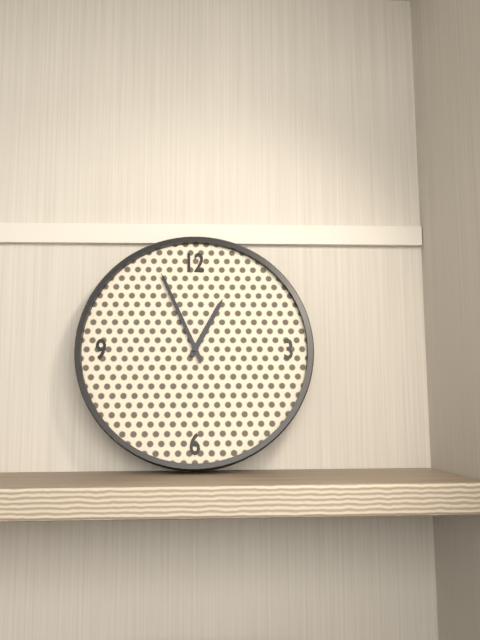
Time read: 12.56
